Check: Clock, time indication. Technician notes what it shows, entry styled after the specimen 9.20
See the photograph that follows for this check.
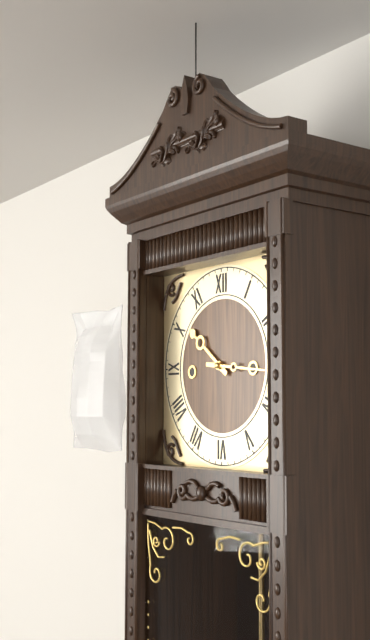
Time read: 10.16
